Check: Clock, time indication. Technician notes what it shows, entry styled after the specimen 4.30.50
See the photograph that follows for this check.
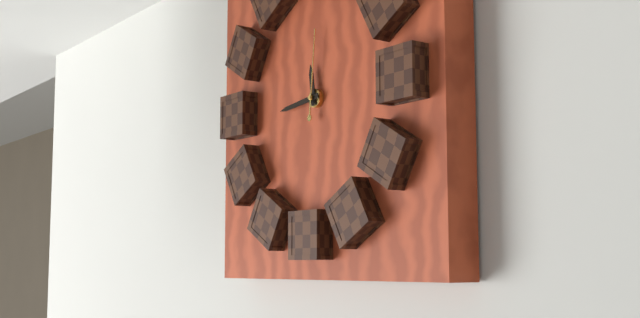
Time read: 11.44.01
